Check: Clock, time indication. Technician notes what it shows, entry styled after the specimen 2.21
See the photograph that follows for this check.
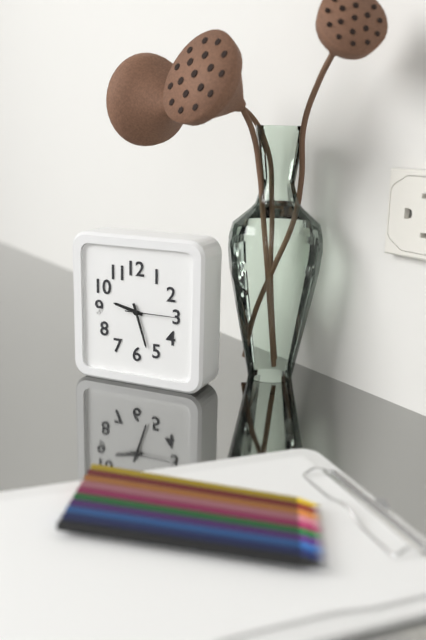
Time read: 9.27
